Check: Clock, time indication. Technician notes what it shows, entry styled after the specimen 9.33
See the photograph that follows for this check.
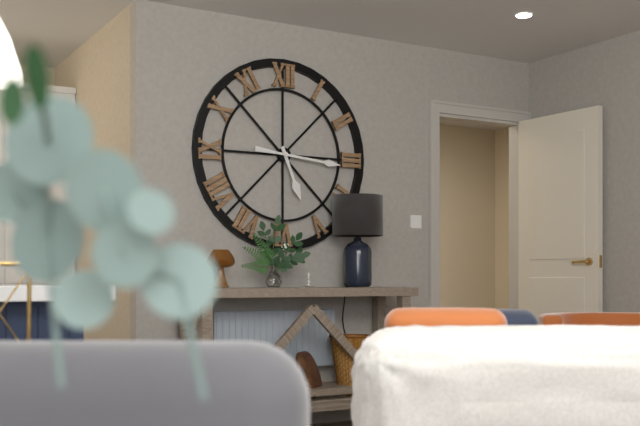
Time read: 5.16
